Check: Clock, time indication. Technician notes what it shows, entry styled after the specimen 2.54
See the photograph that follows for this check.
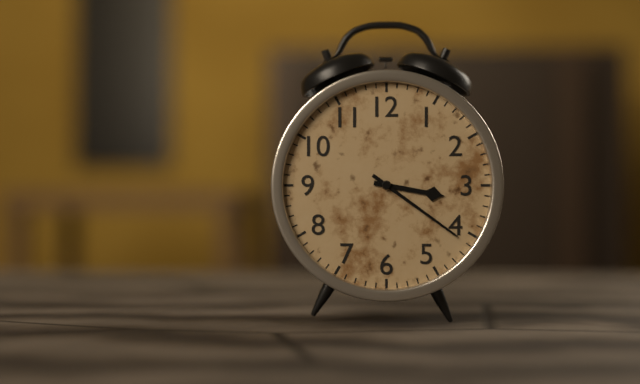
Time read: 3.21
